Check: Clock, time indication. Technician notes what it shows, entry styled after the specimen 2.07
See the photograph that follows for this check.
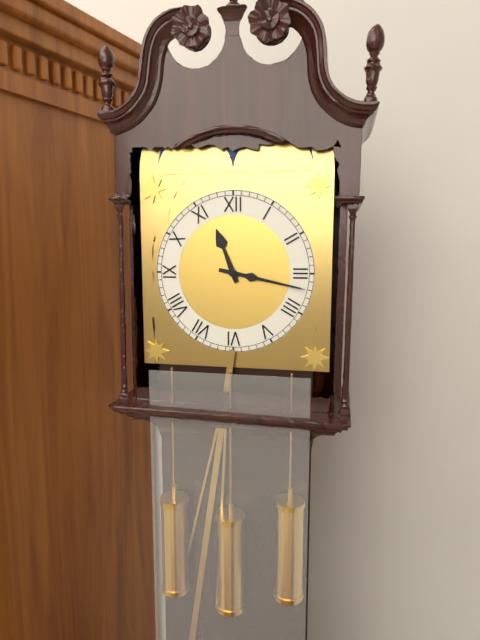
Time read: 11.17
